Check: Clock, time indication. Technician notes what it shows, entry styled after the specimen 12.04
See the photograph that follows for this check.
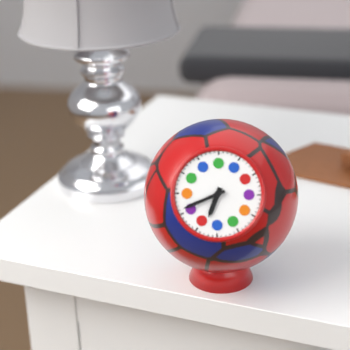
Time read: 6.41
